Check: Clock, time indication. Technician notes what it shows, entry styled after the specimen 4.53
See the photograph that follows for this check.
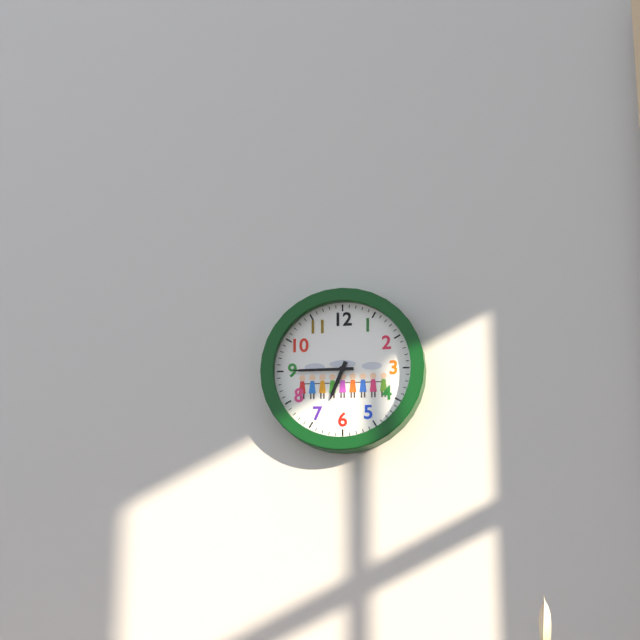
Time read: 6.45
